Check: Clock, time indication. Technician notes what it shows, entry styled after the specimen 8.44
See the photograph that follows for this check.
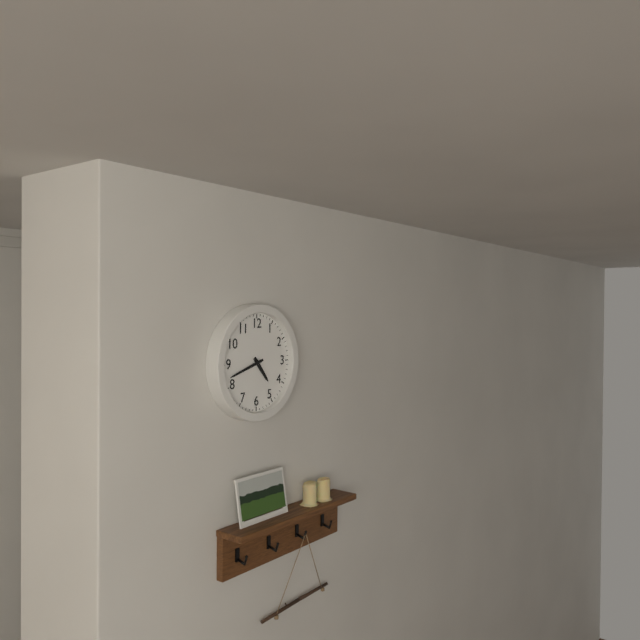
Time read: 4.42
